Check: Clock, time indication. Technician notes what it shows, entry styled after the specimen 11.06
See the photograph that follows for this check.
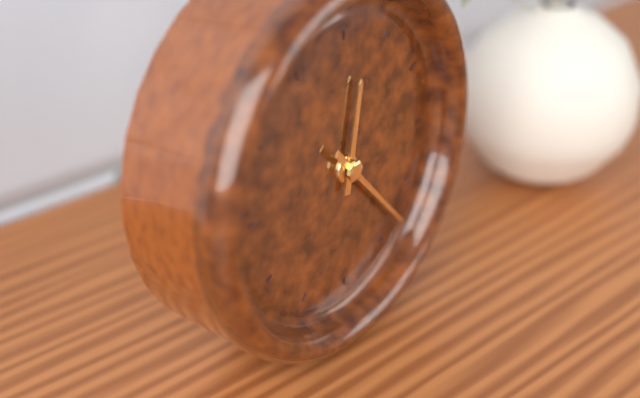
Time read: 12.23
